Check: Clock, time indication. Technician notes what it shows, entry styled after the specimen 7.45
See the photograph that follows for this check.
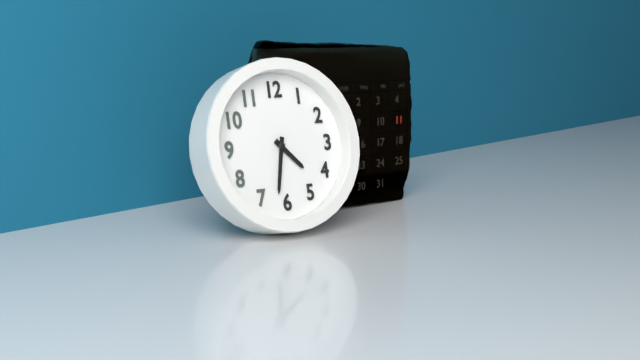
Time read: 4.32
